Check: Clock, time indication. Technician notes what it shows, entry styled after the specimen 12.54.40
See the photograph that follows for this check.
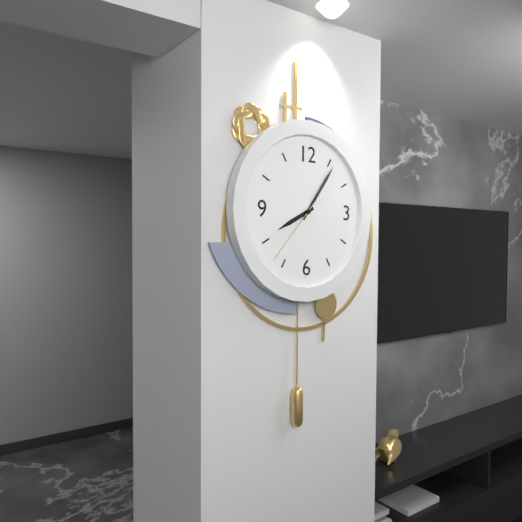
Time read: 8.06.37
